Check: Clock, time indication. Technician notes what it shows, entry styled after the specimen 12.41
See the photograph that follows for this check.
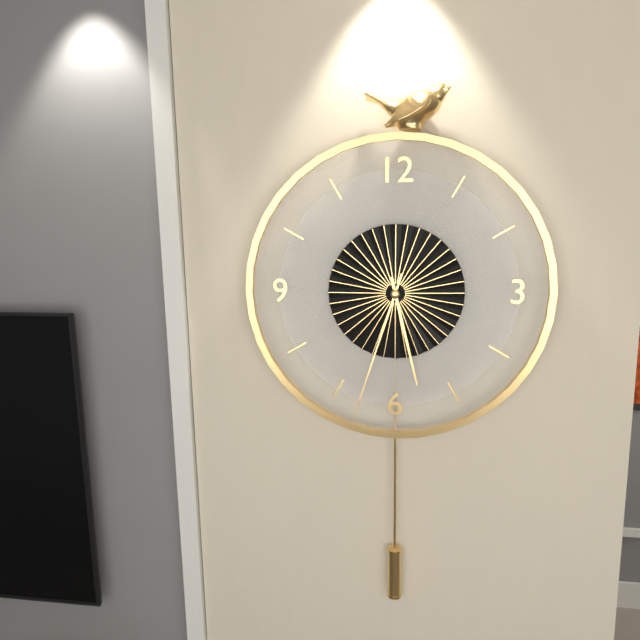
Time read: 5.33
